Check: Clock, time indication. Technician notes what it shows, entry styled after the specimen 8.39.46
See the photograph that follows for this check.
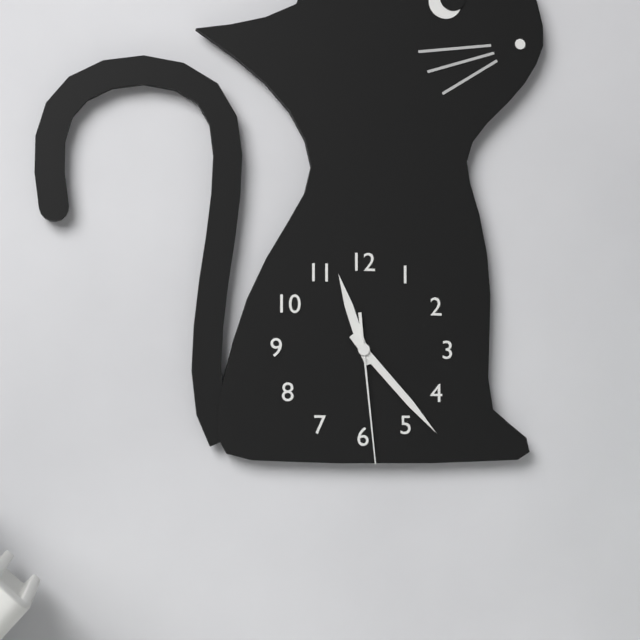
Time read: 11.23.29
